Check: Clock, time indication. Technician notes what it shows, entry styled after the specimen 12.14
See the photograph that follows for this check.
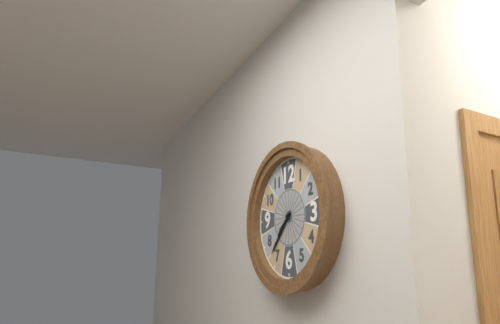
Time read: 7.37
